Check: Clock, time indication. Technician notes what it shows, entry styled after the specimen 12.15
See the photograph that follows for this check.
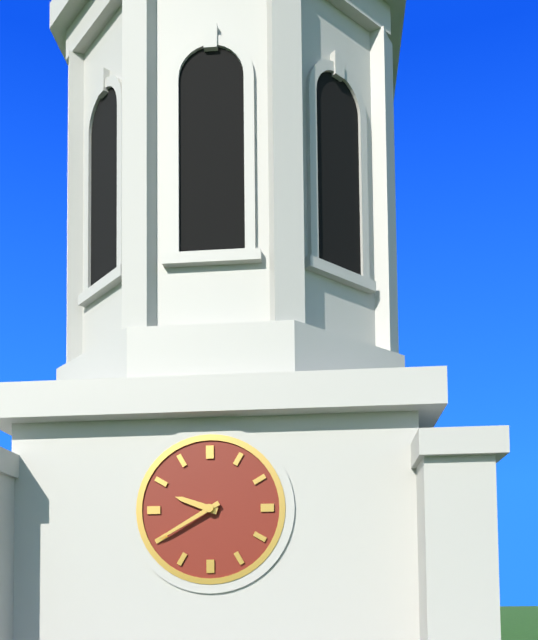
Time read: 9.40
